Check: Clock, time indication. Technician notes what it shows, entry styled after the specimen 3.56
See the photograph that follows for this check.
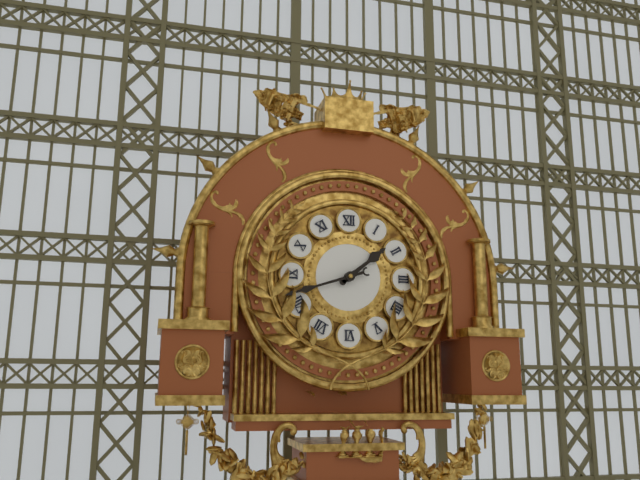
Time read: 1.42
